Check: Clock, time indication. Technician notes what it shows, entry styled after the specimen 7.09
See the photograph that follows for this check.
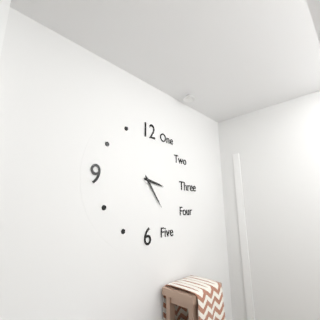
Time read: 3.24
